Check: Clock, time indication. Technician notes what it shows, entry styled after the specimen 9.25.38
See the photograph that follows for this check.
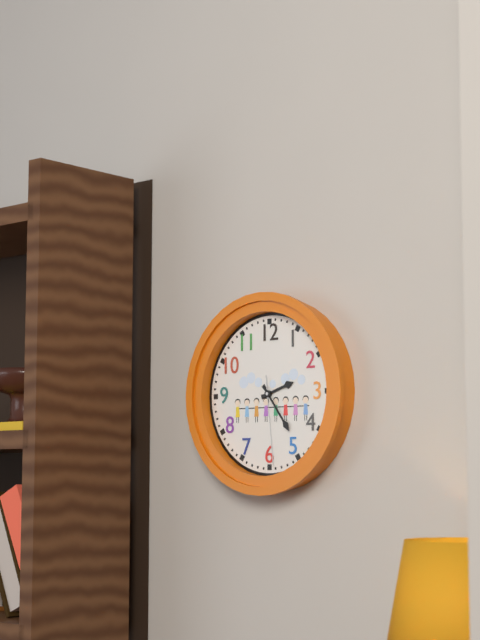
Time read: 2.24.29
